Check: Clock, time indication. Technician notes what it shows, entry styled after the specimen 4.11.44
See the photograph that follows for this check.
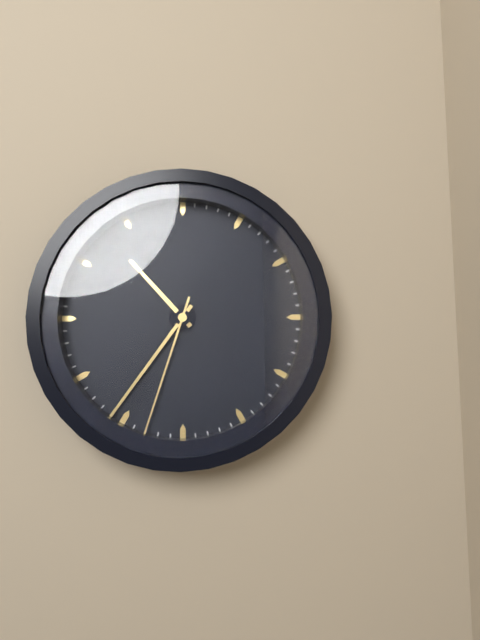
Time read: 10.36.33
